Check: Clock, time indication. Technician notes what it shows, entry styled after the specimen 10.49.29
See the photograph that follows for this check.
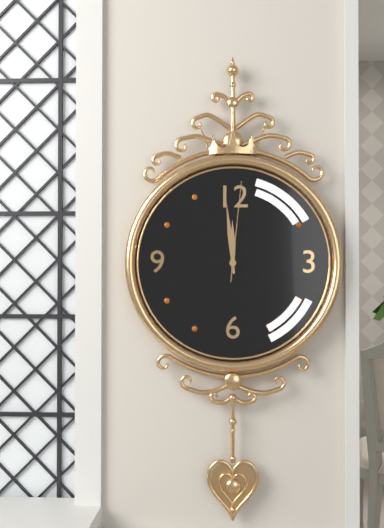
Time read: 11.59.01
